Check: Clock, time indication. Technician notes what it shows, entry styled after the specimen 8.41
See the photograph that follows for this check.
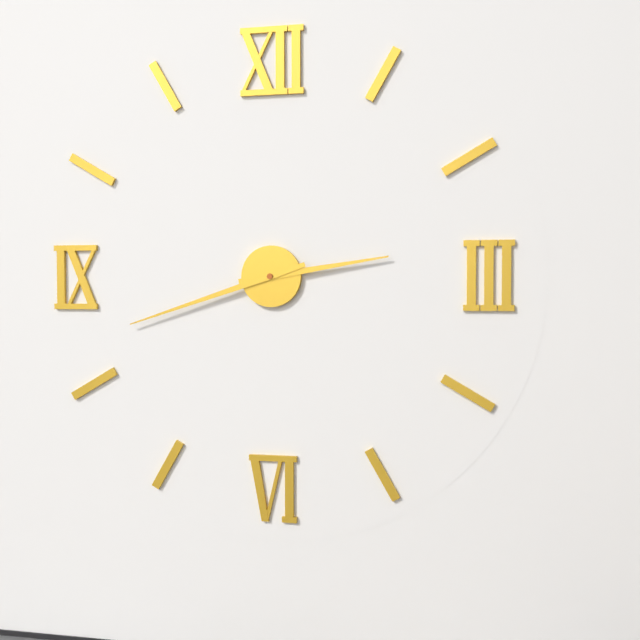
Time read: 2.42
